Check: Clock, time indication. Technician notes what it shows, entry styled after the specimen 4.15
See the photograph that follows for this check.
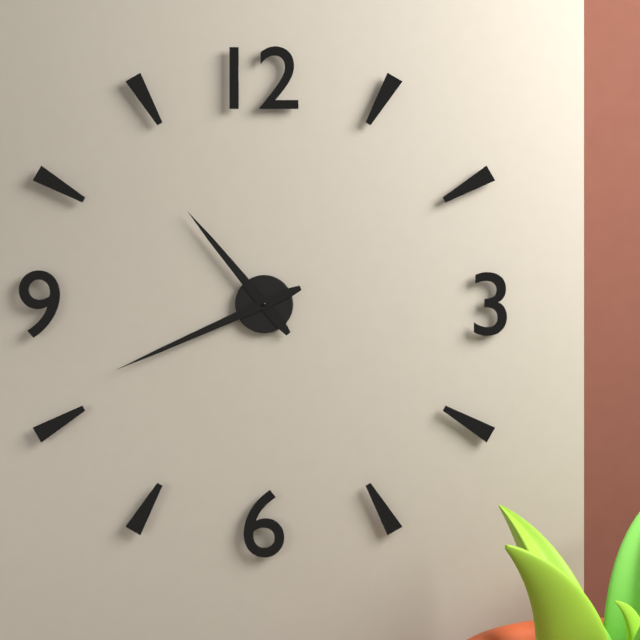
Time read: 10.41
